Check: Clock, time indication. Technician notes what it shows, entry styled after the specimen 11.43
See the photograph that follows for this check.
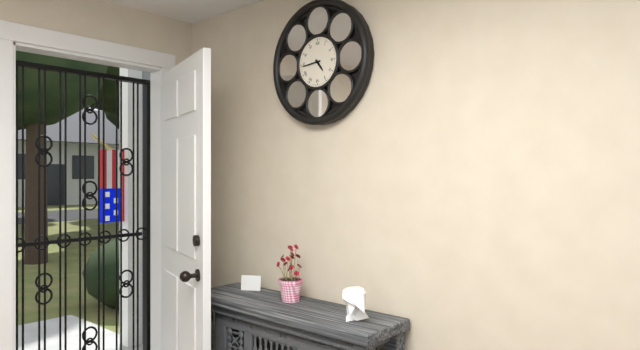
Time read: 4.44
